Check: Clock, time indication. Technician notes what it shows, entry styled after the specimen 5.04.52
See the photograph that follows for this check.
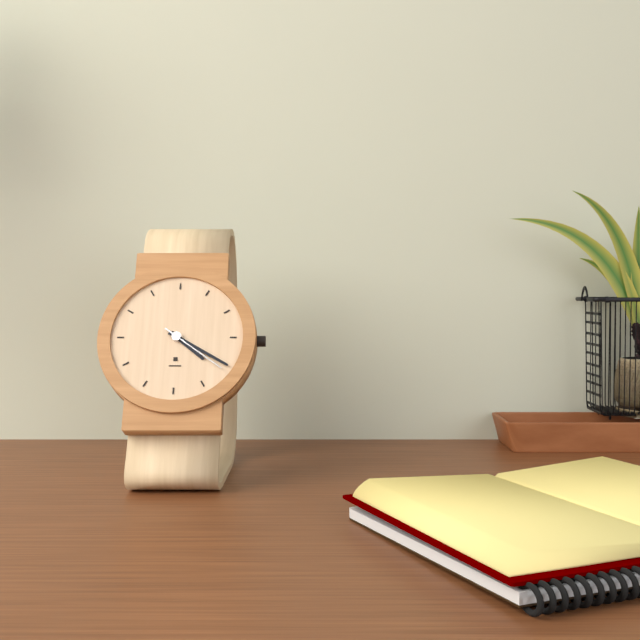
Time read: 4.20.21
